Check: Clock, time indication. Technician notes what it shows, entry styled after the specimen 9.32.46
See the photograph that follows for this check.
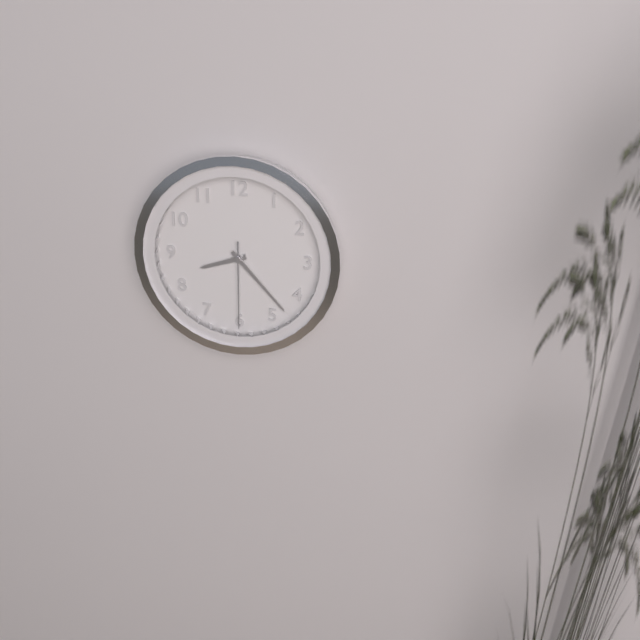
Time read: 8.23.30
